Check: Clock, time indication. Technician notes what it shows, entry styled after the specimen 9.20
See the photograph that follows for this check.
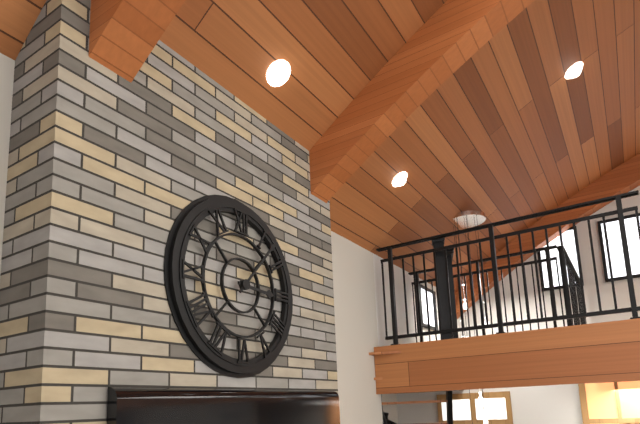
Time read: 3.07
